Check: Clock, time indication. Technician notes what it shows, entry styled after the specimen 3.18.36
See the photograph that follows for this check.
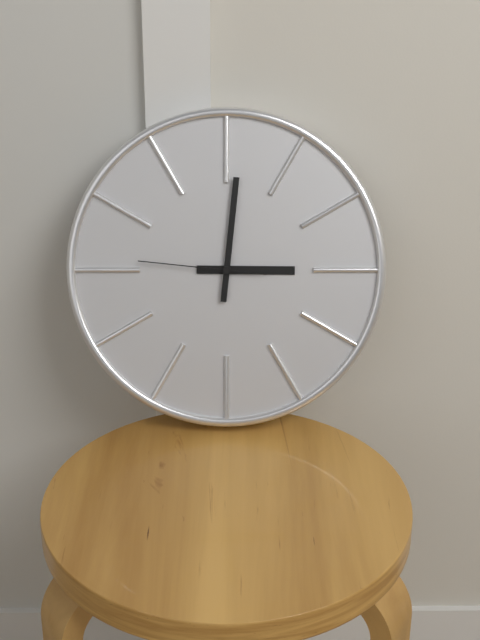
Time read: 3.01.46
